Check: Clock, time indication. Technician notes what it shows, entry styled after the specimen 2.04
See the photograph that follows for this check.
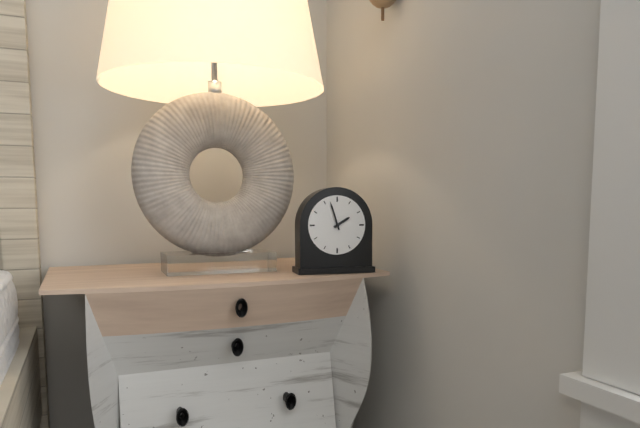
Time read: 1.57
